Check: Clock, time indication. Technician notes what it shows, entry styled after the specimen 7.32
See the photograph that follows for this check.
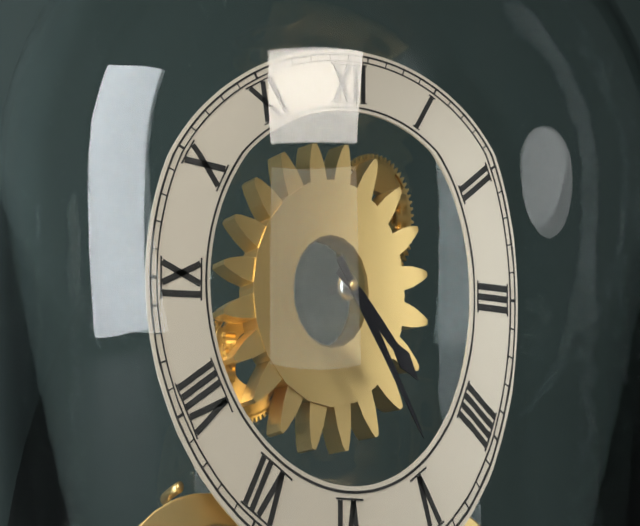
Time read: 4.24
